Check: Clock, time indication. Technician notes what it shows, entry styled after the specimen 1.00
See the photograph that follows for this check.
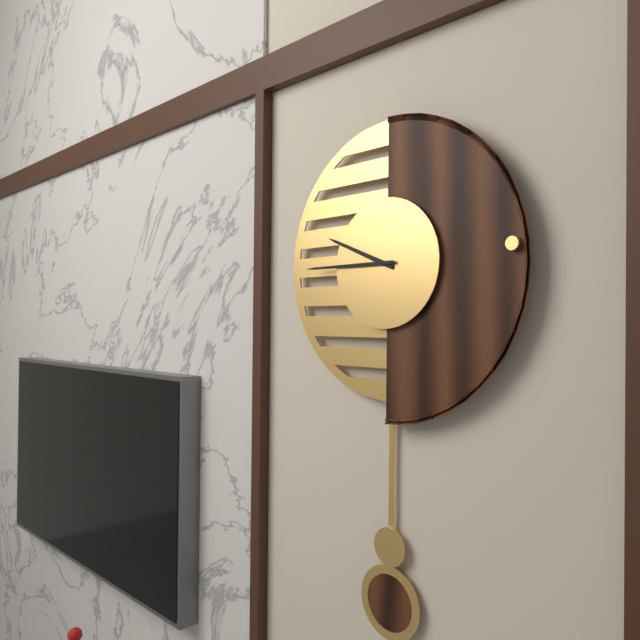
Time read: 9.45
